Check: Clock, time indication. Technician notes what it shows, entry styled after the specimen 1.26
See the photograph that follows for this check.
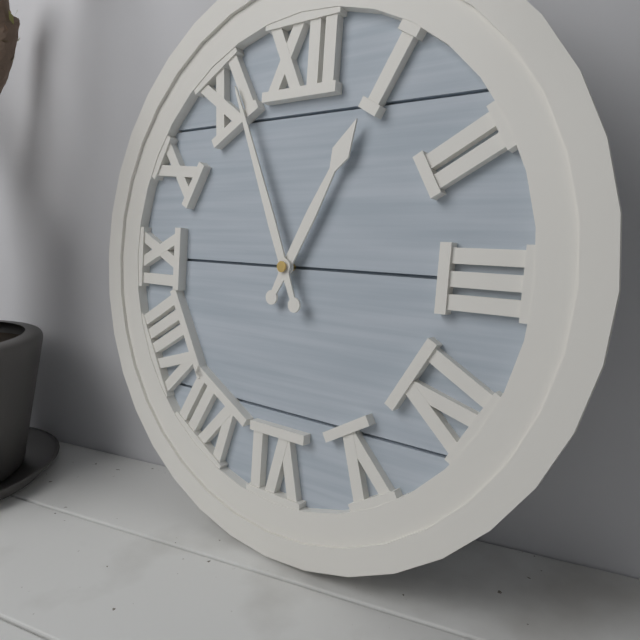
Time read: 12.56
